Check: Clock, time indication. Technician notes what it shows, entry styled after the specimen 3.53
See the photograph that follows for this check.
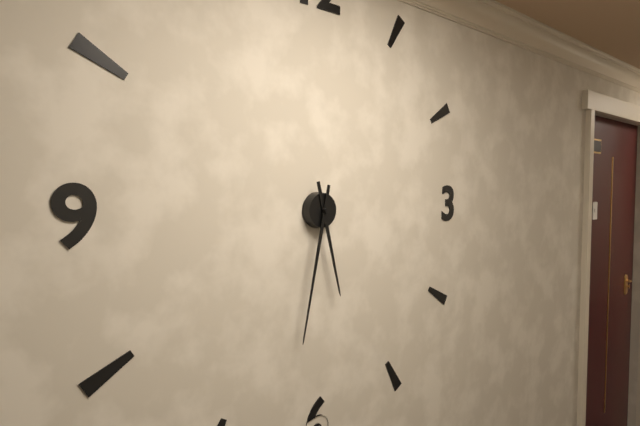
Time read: 5.32
